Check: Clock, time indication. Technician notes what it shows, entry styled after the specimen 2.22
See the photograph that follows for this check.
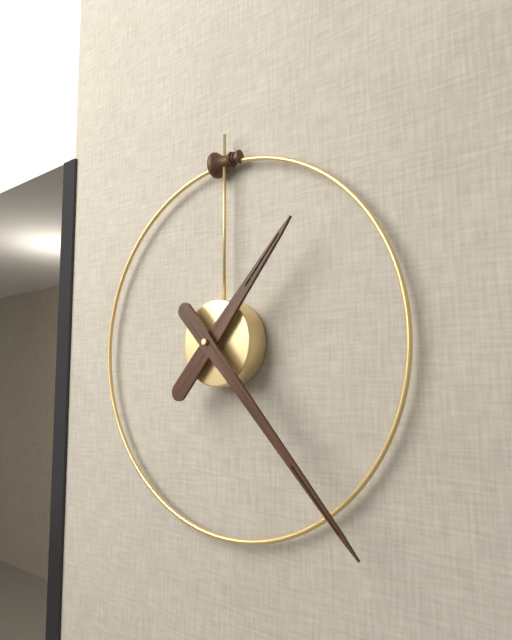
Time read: 1.23
